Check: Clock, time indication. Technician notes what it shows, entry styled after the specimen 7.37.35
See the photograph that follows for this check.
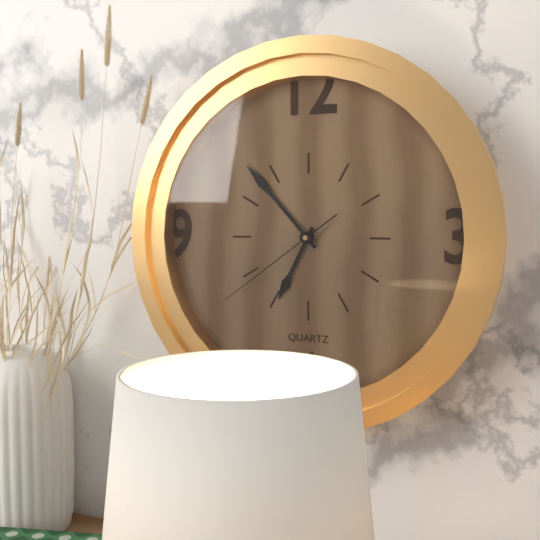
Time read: 6.53.39
